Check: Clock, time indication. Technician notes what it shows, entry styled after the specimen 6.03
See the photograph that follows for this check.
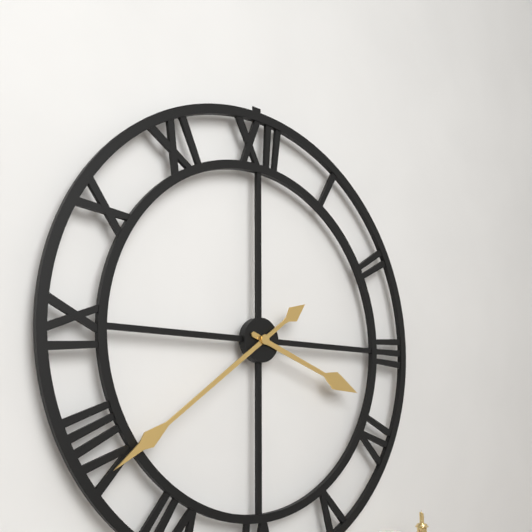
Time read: 3.39
